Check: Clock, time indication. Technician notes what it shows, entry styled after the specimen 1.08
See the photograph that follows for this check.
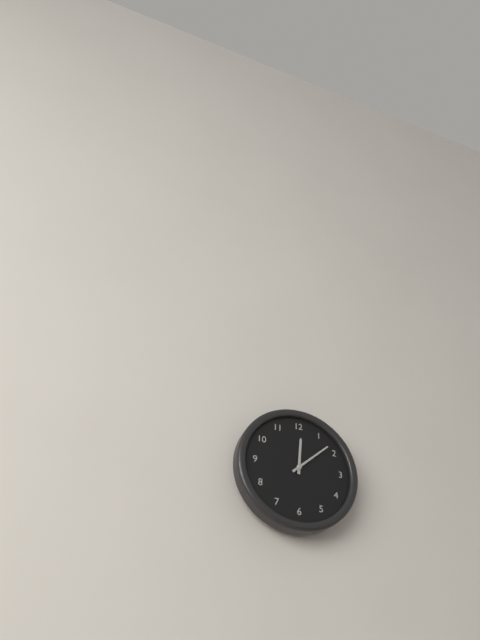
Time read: 12.08
